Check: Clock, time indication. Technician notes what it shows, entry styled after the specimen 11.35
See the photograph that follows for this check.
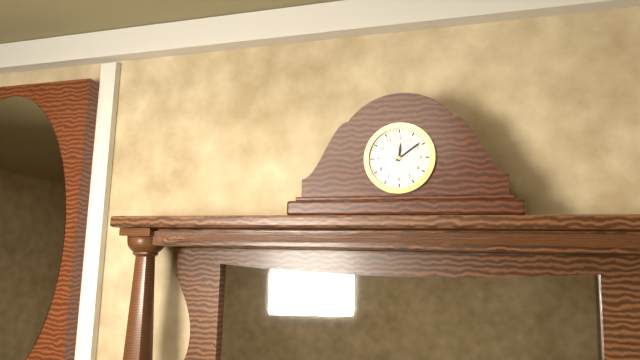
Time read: 12.09
